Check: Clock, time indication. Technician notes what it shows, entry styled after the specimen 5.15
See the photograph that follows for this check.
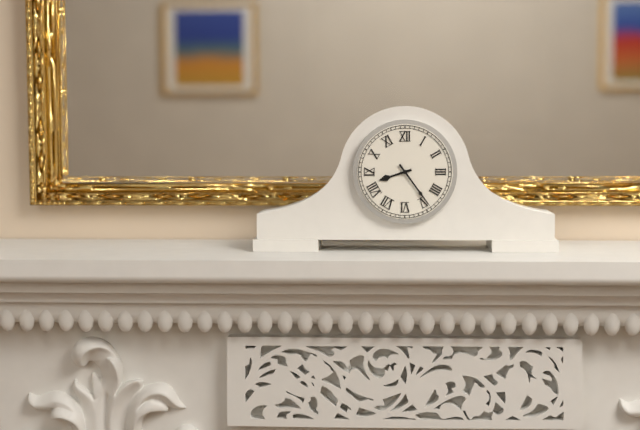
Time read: 8.24
